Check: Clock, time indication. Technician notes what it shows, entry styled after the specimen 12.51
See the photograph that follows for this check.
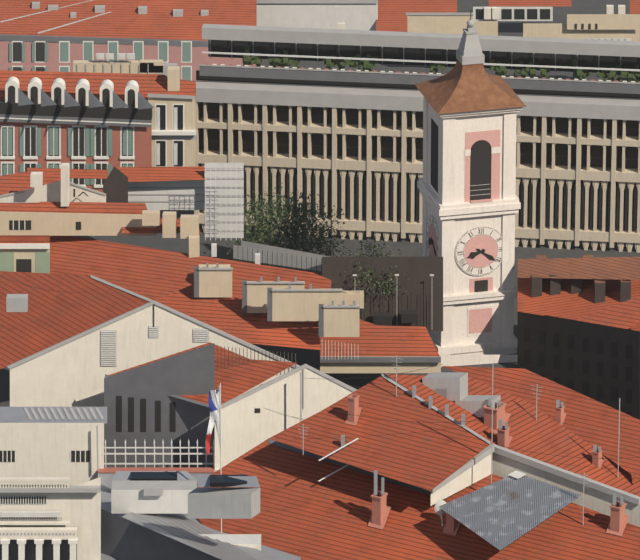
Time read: 8.21
